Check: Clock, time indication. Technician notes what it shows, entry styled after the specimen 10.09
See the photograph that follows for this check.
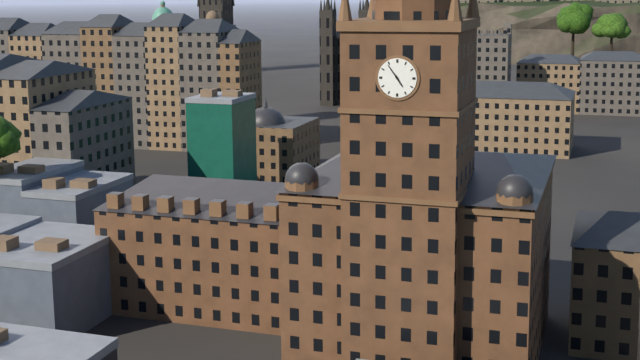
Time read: 4.54
